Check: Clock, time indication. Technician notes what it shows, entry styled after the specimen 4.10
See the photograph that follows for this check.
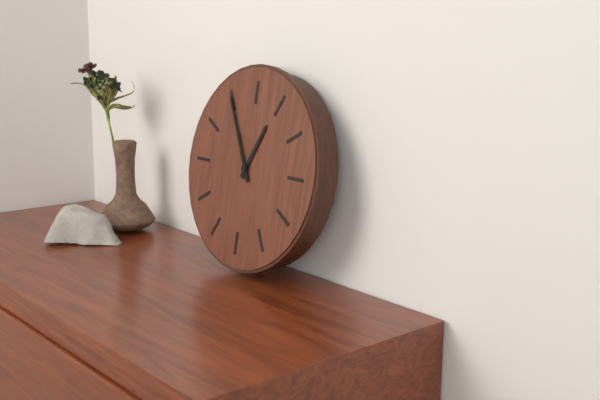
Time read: 12.55
